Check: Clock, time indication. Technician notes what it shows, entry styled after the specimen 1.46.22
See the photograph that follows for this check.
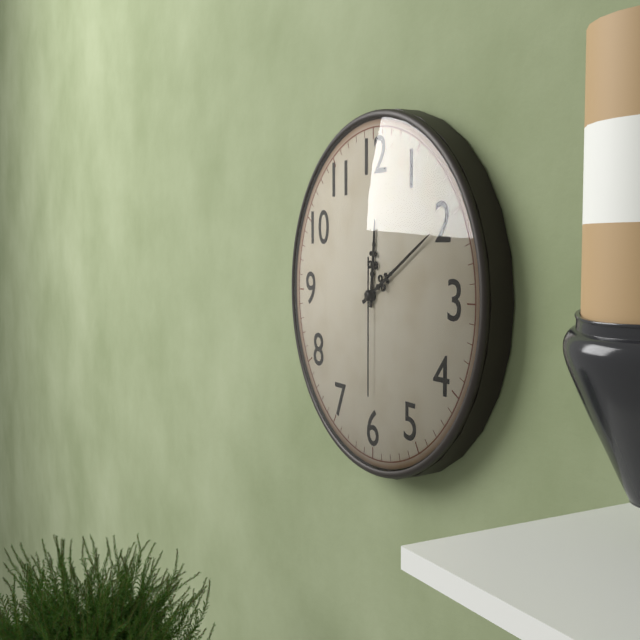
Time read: 12.10.30
